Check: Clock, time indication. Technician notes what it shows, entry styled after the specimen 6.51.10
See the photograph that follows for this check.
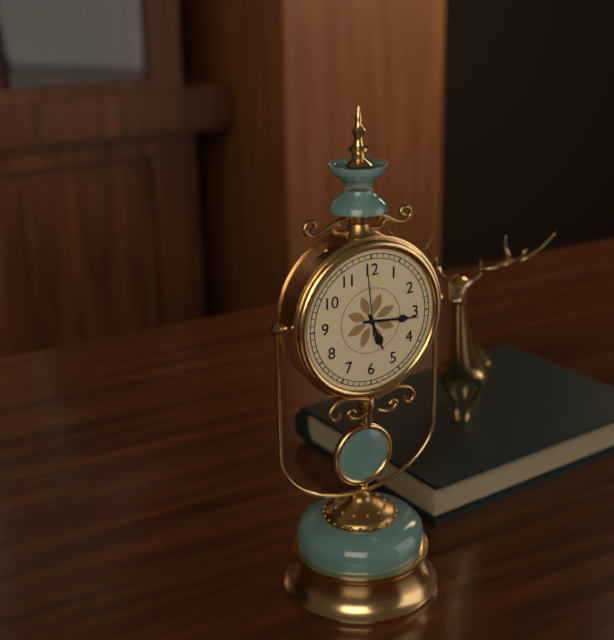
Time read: 5.16.59
